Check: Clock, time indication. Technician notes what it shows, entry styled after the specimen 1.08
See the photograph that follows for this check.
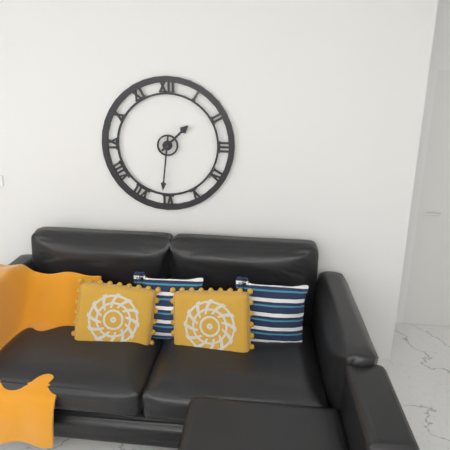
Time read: 1.31
